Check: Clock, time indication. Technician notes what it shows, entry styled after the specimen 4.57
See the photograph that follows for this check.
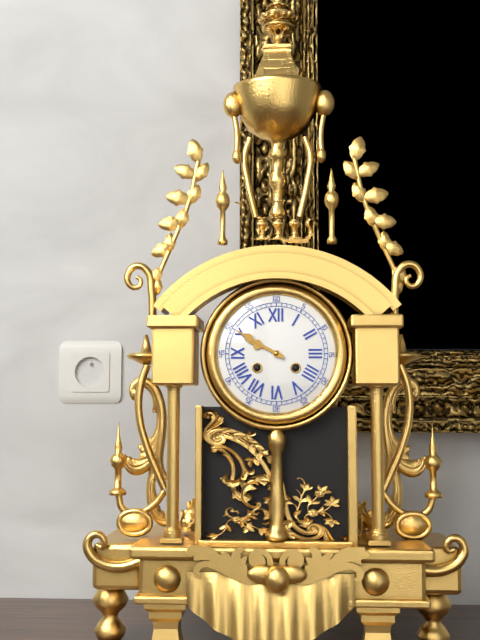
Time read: 9.50
